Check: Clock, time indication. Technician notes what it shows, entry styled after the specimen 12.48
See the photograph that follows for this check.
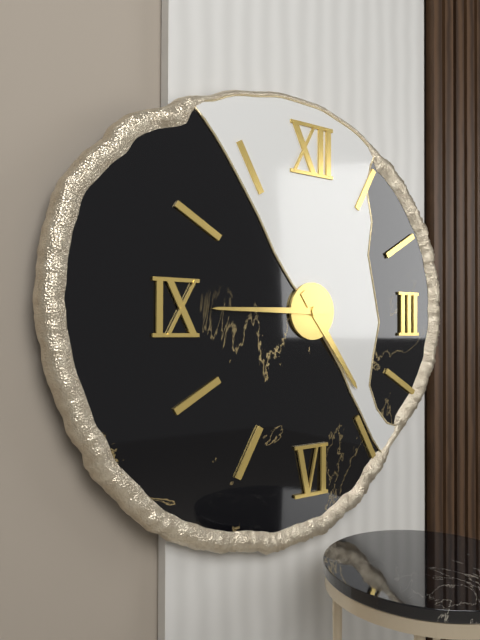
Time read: 4.45
